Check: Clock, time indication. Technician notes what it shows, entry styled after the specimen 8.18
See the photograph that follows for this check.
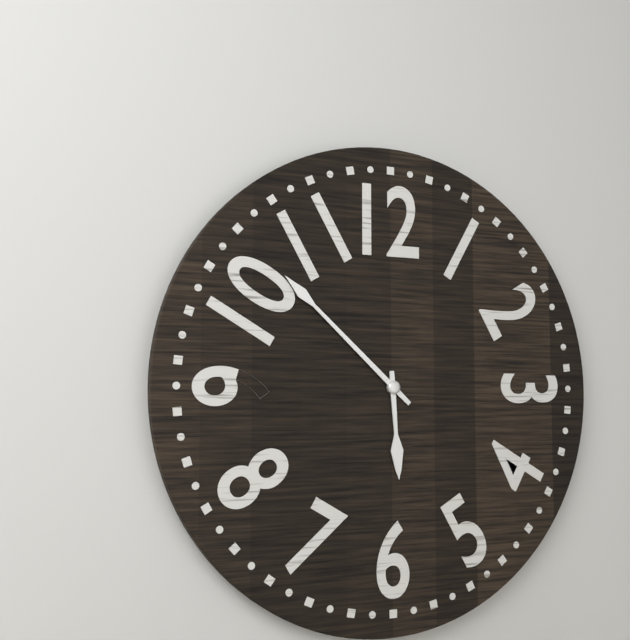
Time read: 5.52
